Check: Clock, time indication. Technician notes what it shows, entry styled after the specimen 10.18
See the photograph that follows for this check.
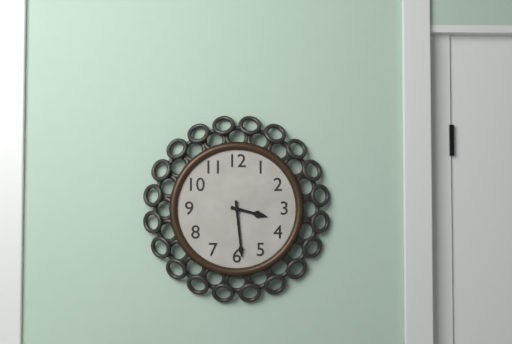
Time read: 3.29
